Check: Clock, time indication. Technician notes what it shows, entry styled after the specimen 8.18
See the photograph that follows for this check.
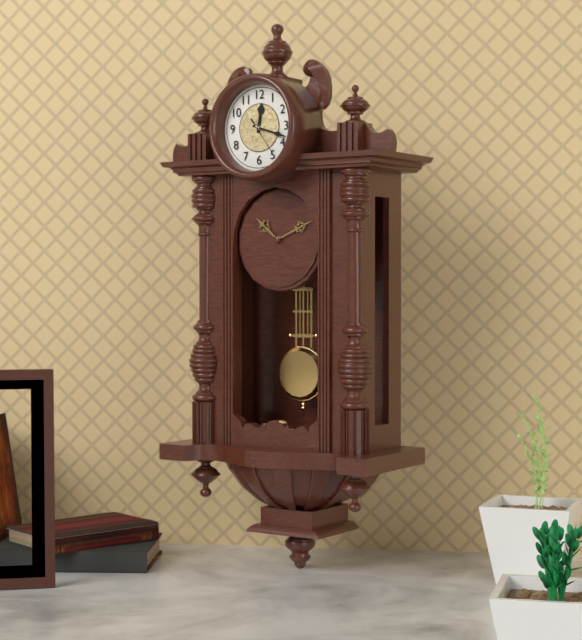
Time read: 12.18
